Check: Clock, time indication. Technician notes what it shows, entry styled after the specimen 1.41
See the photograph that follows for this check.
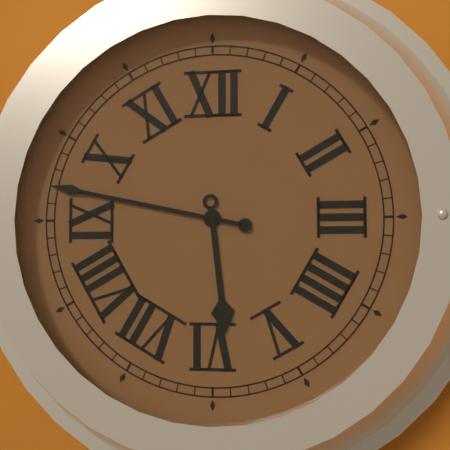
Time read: 5.47
